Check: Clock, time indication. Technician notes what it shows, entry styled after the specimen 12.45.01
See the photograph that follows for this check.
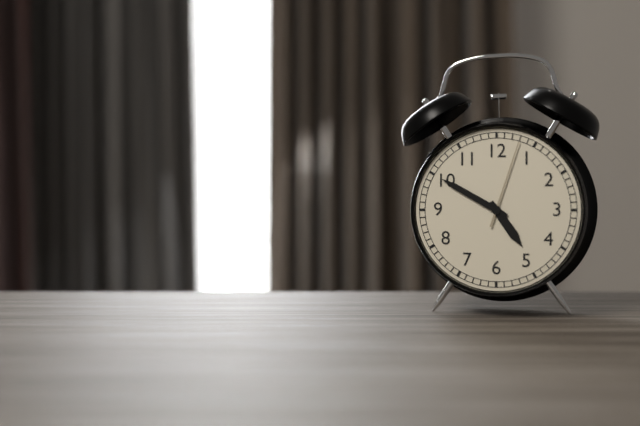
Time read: 4.50.03
